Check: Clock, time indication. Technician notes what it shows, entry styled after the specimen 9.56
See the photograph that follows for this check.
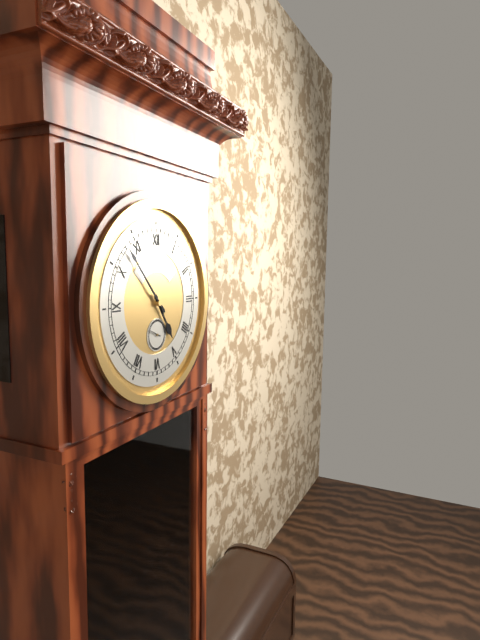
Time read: 4.53
